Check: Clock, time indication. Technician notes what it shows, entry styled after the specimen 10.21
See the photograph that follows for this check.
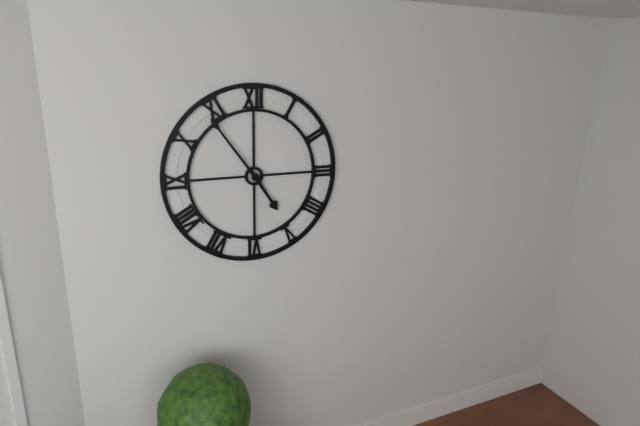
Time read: 4.54
